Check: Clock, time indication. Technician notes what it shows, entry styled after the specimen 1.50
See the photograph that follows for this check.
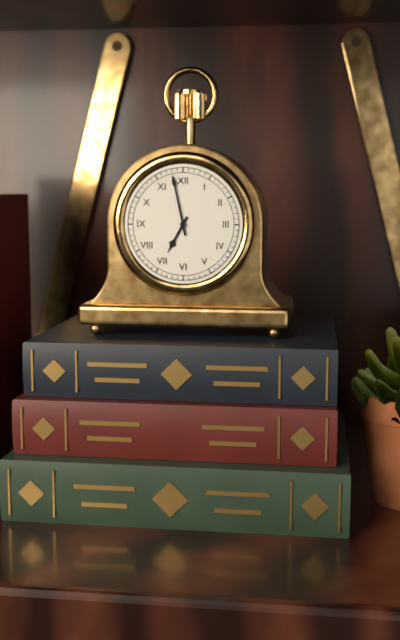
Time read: 6.58
